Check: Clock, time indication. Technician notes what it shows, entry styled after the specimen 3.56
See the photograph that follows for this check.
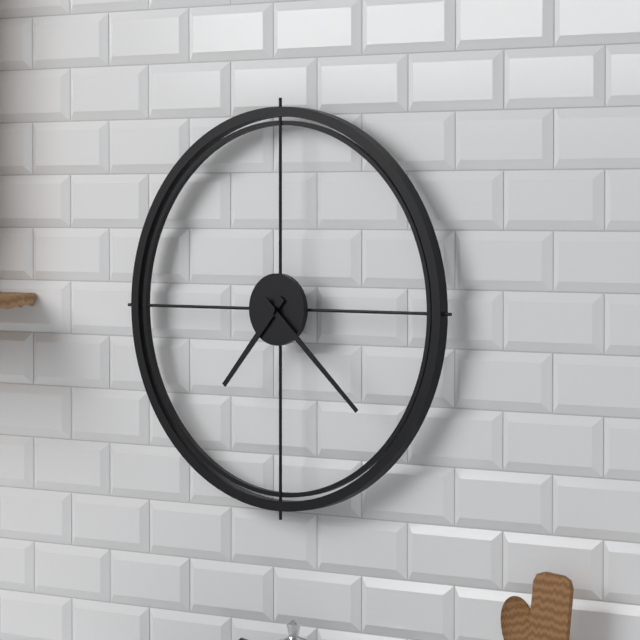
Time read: 7.22
